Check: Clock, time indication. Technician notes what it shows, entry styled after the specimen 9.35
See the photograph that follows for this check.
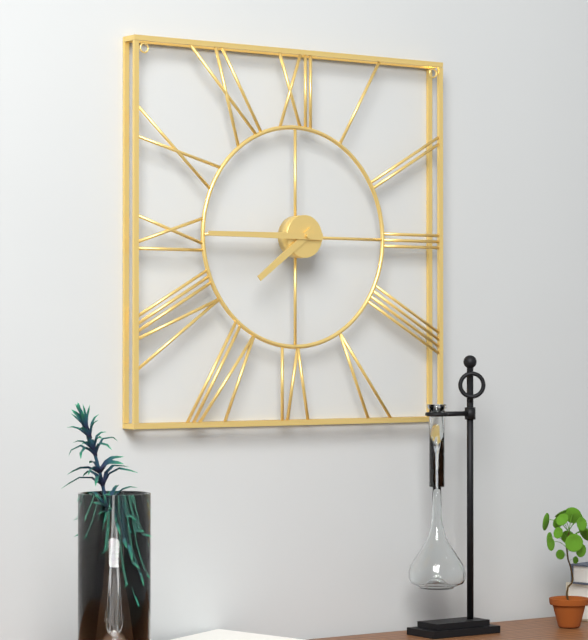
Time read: 7.45
